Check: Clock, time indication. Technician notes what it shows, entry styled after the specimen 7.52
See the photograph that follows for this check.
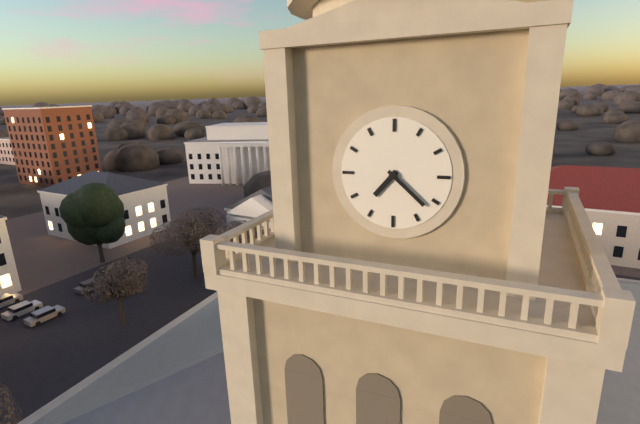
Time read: 7.22
